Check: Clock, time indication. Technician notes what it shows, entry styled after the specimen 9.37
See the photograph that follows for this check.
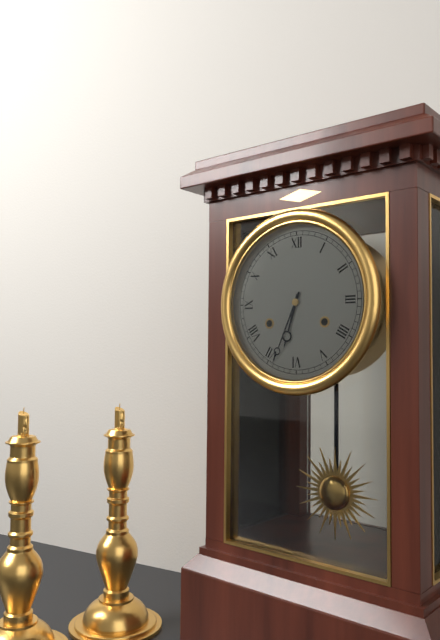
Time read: 6.34
